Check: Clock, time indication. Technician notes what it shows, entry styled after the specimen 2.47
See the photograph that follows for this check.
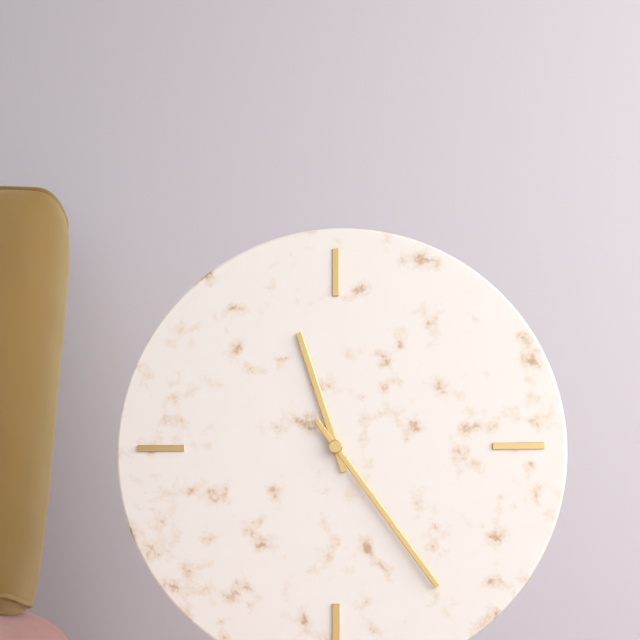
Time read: 11.24
